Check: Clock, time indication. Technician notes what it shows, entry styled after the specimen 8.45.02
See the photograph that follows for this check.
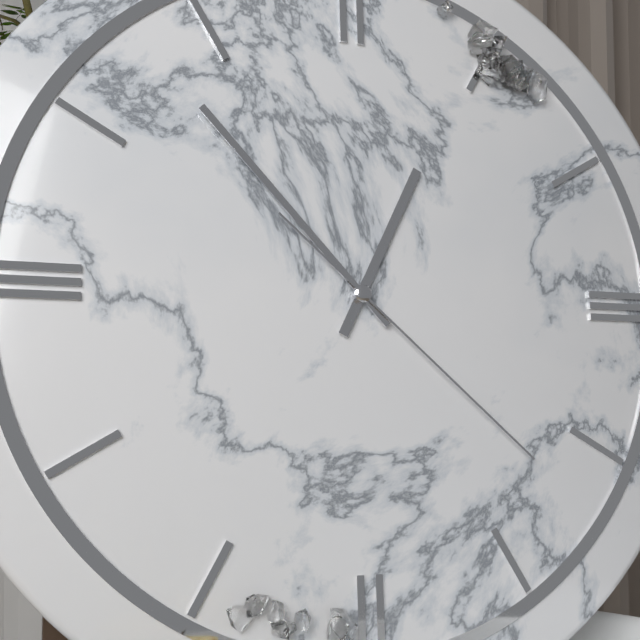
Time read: 12.53.22
